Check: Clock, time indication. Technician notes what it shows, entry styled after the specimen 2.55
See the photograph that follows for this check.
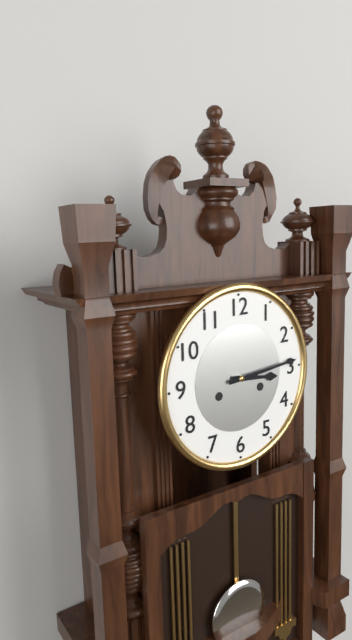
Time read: 3.14
